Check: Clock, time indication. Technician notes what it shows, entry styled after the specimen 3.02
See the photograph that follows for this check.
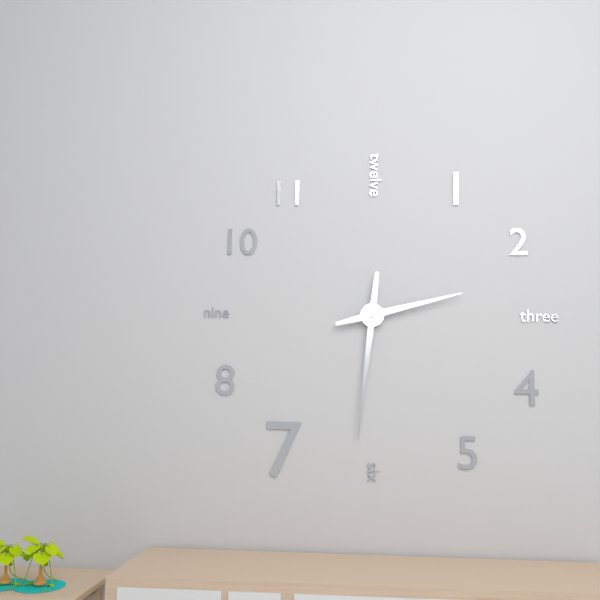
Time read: 2.31
